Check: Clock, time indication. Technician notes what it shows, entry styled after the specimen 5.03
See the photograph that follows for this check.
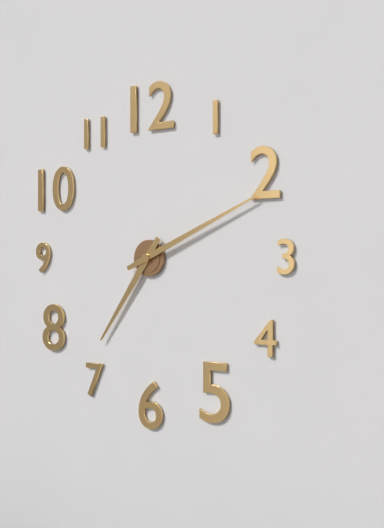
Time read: 7.11
